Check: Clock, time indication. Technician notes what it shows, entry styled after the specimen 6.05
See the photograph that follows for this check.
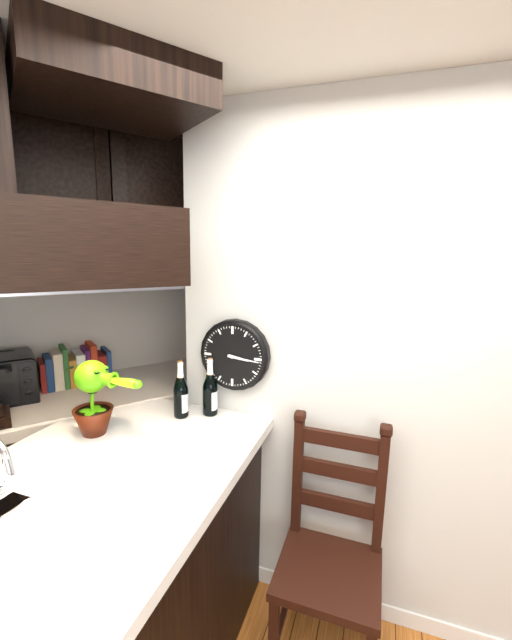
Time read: 3.16
